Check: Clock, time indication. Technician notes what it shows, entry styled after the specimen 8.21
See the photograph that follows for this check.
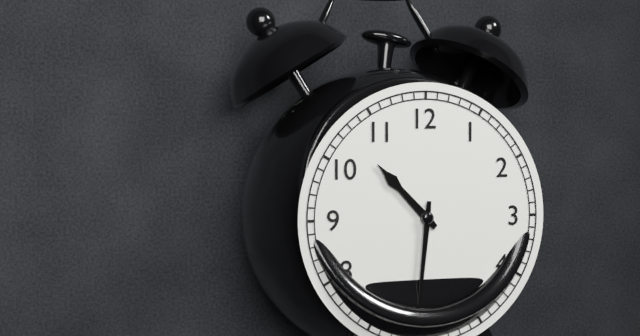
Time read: 10.31
